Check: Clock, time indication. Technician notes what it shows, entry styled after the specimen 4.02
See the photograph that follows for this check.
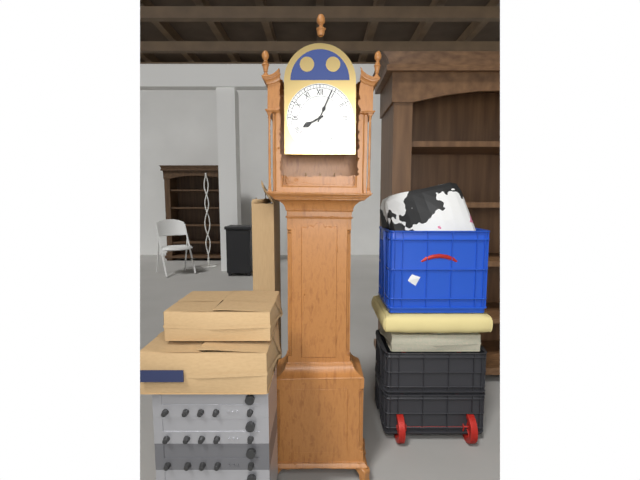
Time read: 8.04
